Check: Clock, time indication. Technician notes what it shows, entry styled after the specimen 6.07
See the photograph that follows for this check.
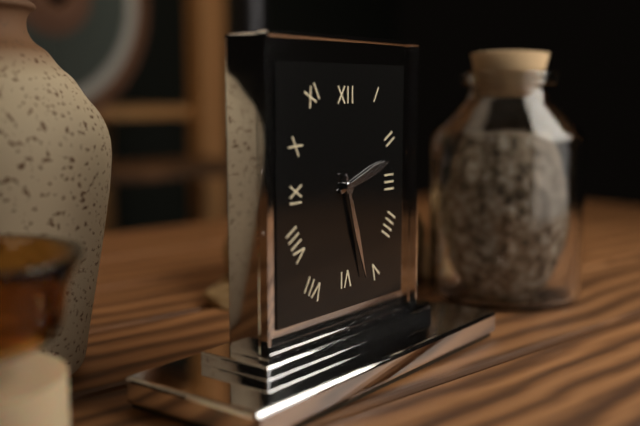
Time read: 2.27
